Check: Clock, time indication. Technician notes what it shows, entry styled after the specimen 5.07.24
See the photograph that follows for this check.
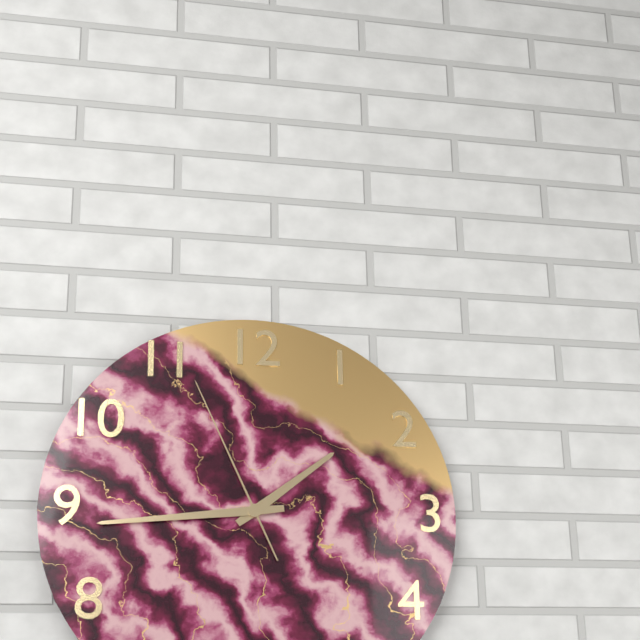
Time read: 1.44.56
